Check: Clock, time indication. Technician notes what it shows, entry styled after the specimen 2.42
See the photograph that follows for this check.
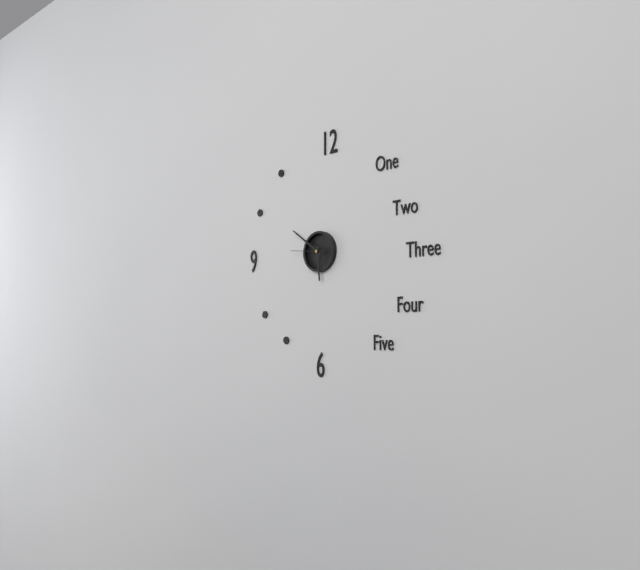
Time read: 5.51
